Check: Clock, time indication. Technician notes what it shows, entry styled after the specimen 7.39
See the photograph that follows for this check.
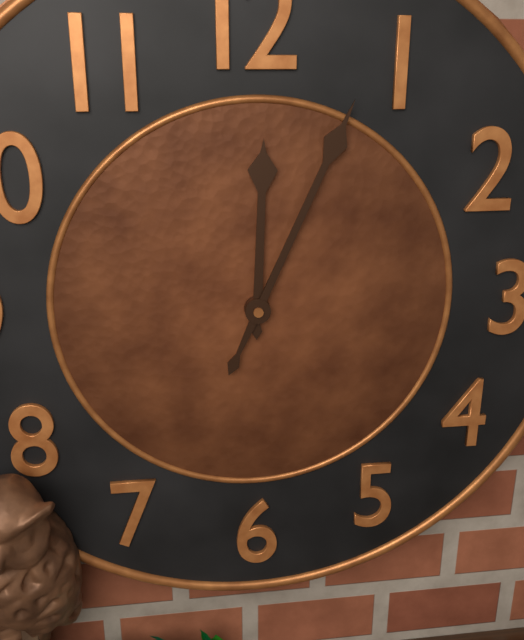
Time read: 12.04
